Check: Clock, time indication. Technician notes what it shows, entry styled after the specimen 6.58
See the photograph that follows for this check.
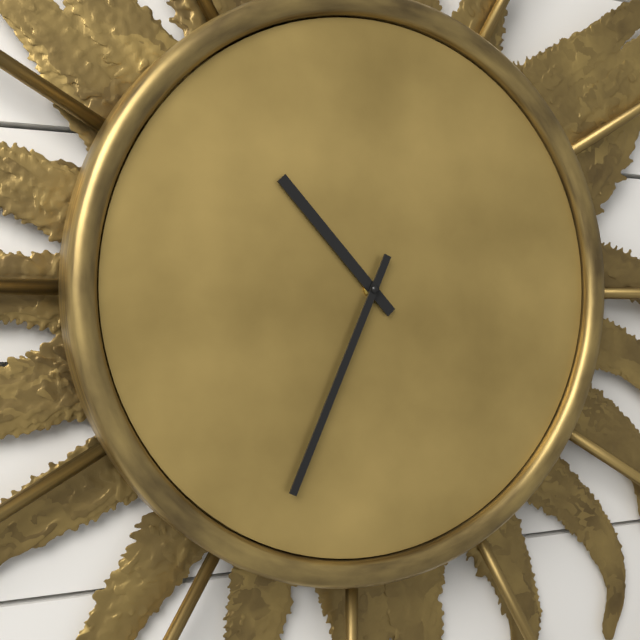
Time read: 10.34
